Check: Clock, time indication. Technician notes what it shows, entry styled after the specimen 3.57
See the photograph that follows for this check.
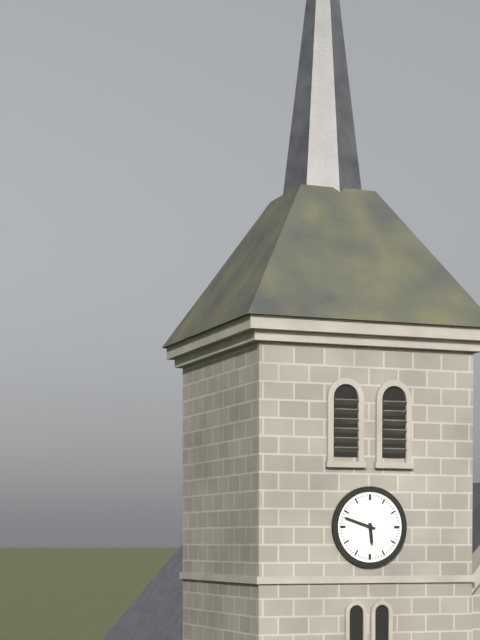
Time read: 5.48
